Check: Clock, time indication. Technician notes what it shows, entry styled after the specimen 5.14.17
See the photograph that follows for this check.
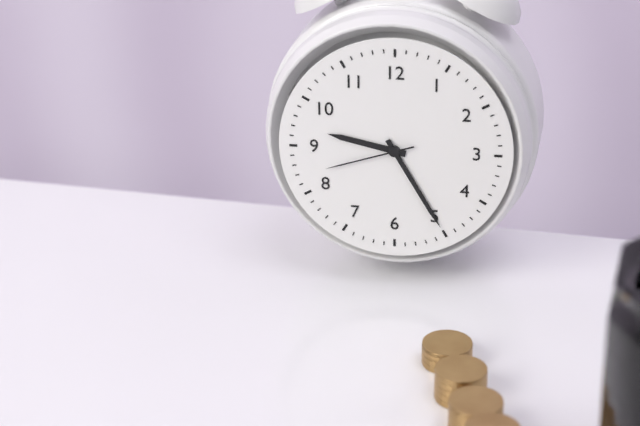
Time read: 9.25.42
